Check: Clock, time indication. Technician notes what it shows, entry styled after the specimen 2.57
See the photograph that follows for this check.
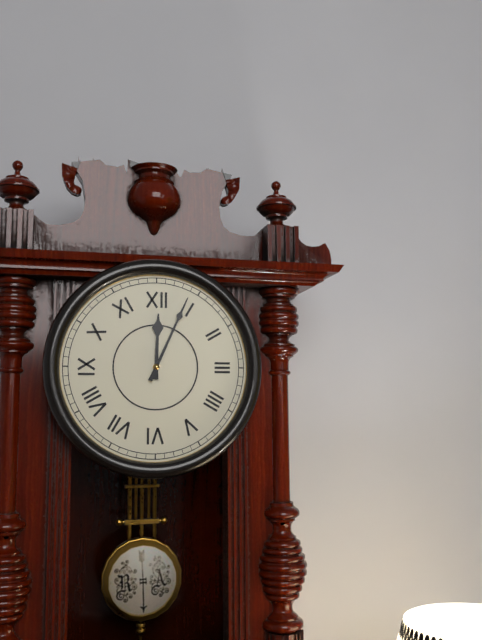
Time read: 12.04
